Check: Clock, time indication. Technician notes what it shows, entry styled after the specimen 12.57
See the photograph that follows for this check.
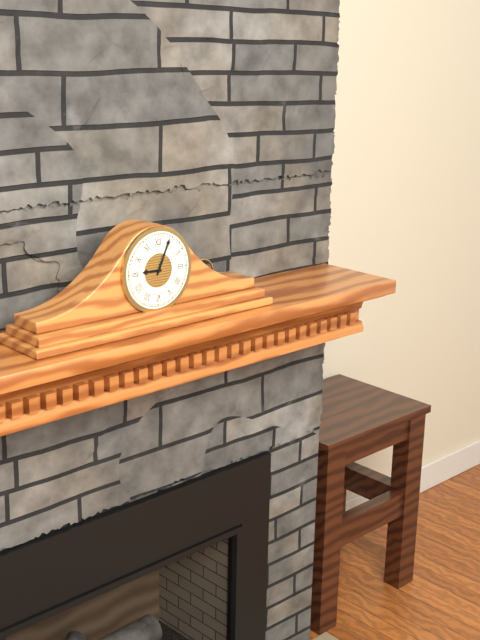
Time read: 9.04
